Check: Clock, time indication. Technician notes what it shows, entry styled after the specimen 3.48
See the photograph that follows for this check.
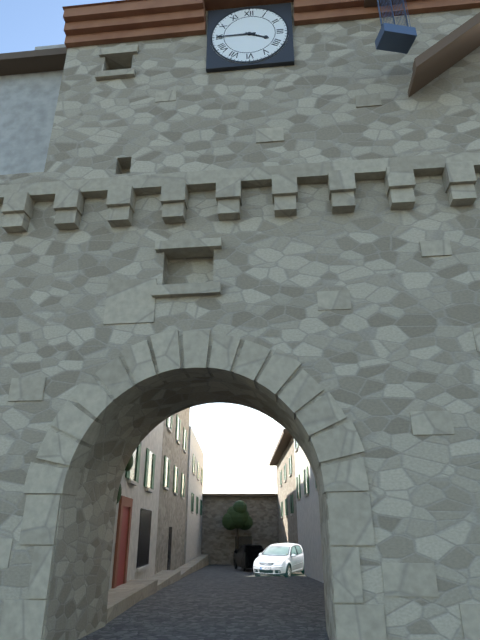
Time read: 3.45
